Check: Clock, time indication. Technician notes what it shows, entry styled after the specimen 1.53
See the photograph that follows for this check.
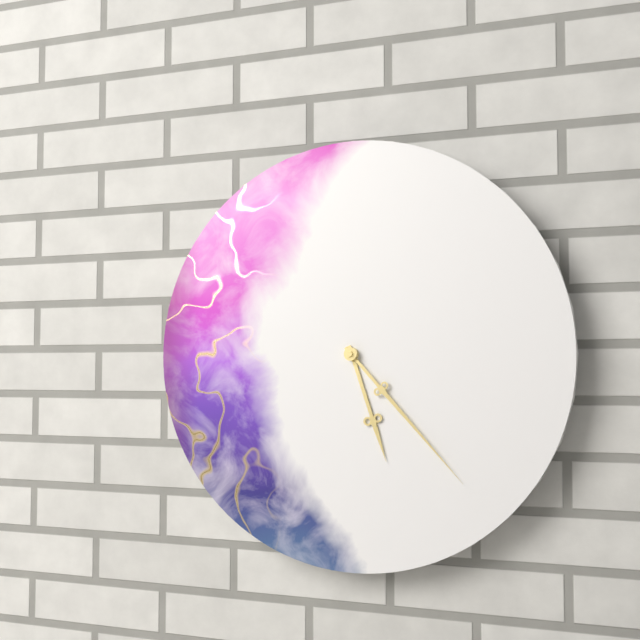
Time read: 5.23
